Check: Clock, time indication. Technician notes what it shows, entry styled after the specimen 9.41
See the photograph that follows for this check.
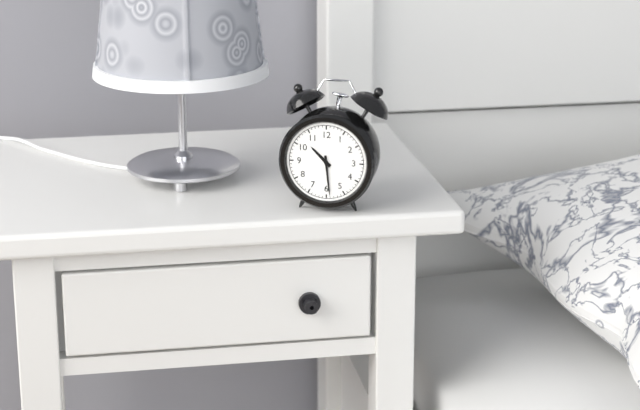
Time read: 10.29
